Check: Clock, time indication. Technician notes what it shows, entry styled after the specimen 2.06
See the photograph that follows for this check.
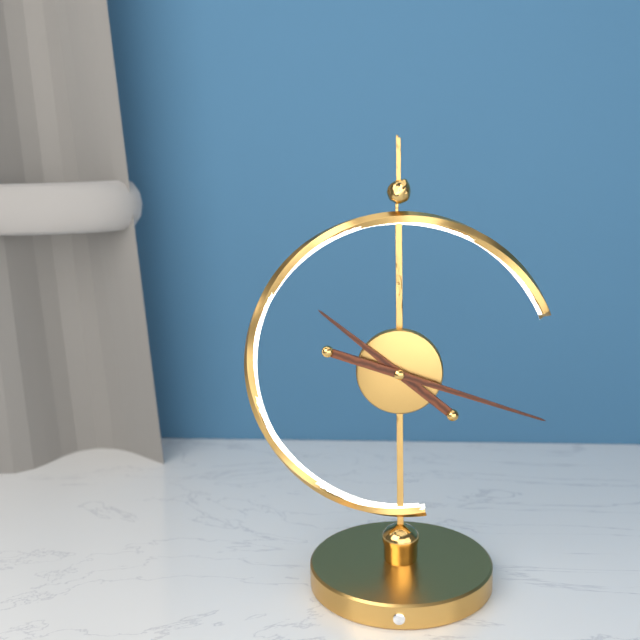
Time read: 10.18
